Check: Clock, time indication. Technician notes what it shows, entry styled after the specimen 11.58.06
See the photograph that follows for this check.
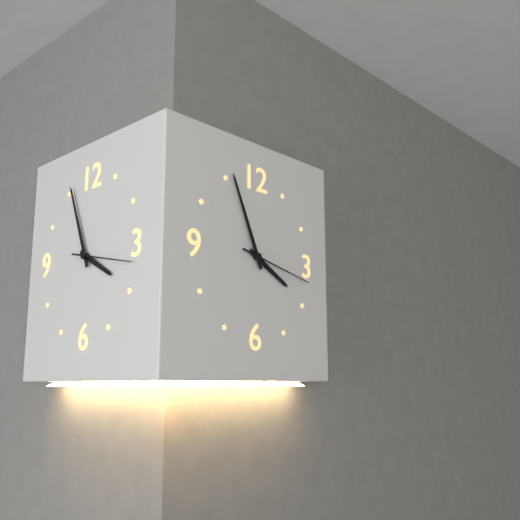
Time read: 3.56.17
